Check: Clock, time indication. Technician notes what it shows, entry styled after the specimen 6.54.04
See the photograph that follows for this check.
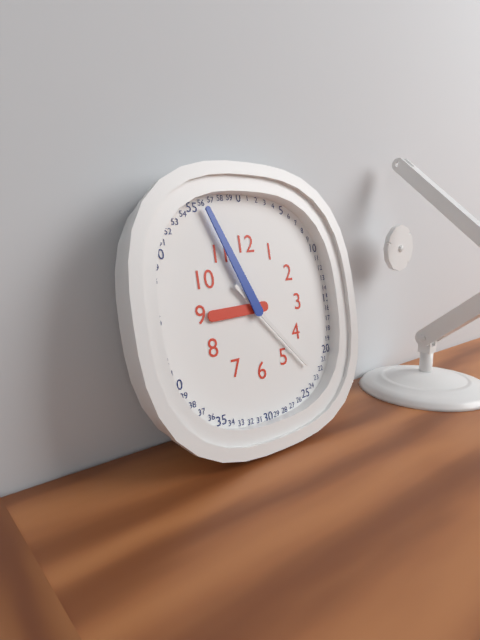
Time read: 8.56.23
